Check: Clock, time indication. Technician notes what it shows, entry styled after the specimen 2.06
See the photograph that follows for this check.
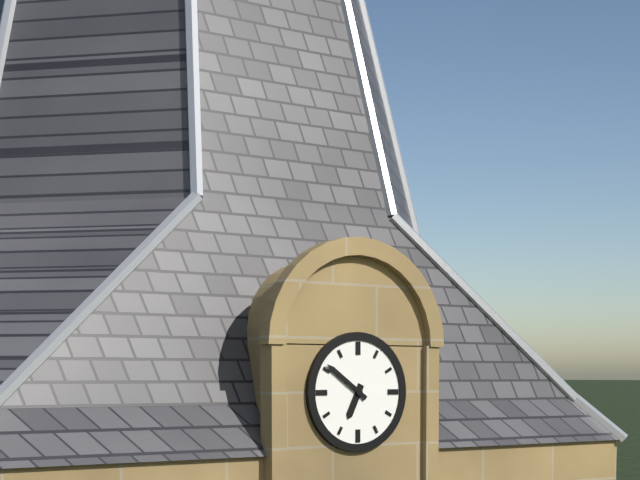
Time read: 6.51
